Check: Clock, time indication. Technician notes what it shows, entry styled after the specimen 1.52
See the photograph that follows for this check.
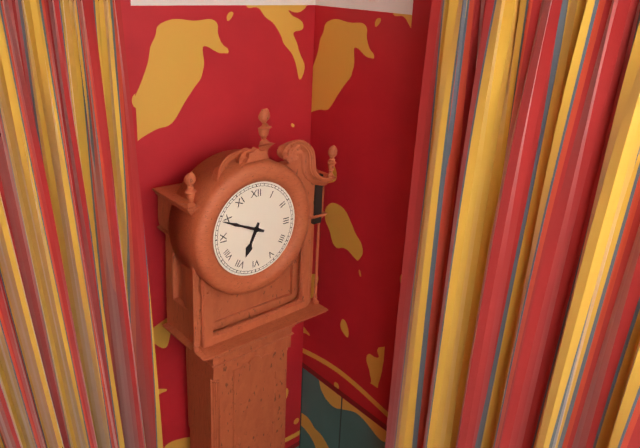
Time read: 6.49
